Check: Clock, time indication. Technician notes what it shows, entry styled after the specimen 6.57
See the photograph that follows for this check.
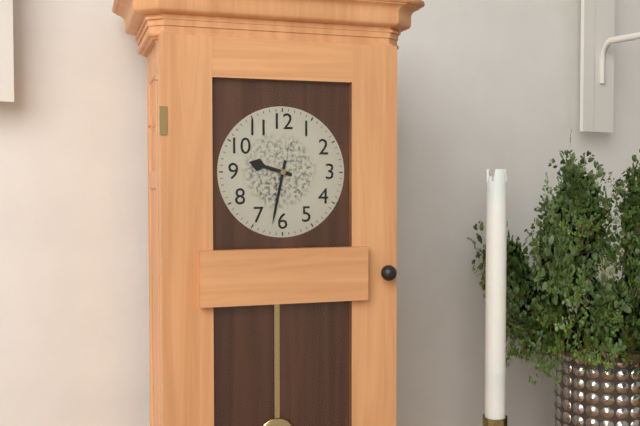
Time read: 9.32
